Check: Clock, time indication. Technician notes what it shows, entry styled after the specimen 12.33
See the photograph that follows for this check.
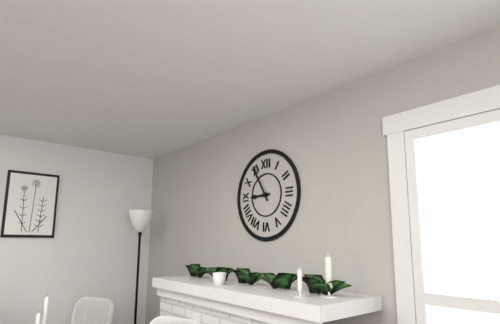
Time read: 8.55
